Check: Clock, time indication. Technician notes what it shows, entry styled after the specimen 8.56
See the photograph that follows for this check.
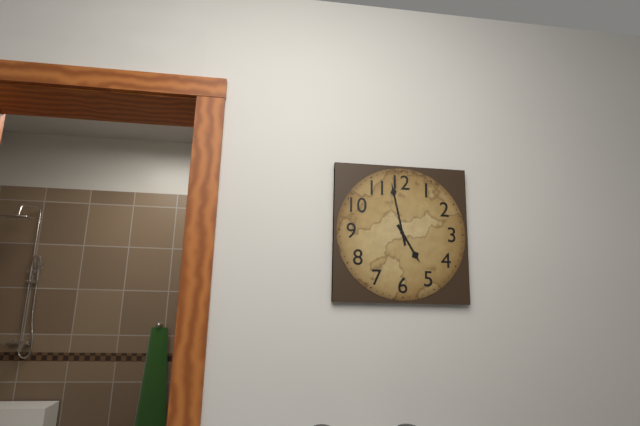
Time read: 4.58
